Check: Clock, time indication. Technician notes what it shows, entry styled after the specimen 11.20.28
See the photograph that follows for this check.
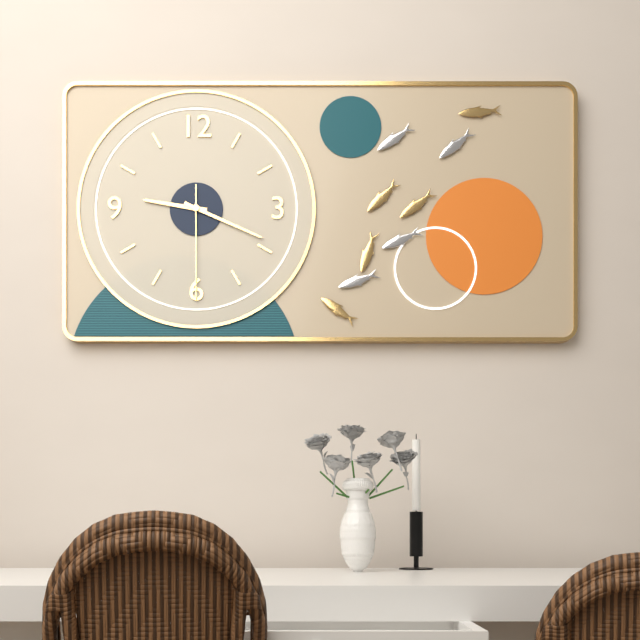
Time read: 9.19.30
